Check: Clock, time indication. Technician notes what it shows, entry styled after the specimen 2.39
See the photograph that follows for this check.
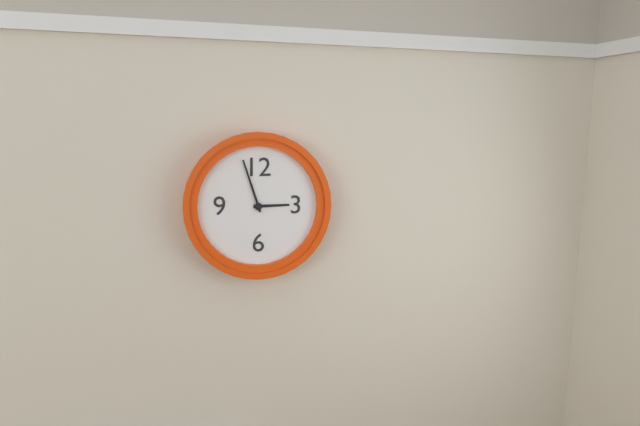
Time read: 2.57
